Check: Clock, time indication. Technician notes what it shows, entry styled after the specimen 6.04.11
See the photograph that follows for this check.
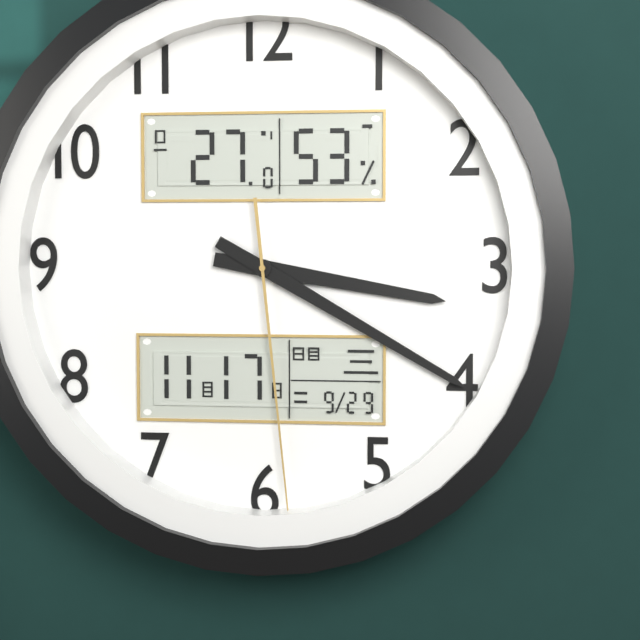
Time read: 3.20.29
